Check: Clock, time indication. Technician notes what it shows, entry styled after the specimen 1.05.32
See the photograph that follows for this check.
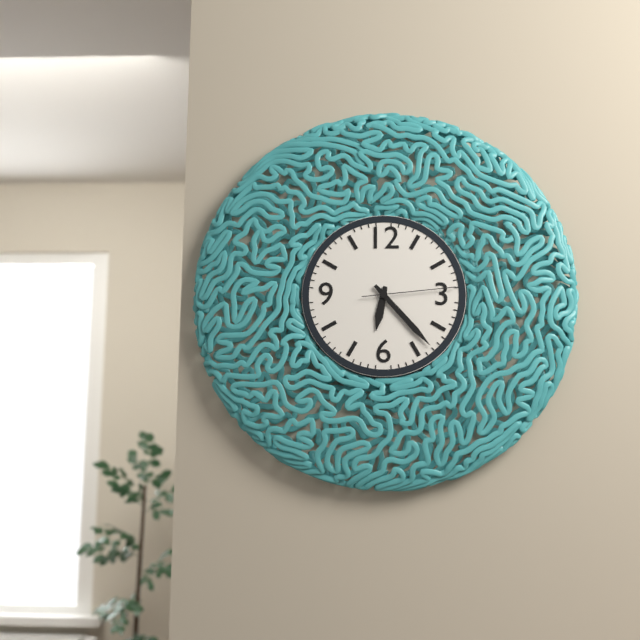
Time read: 6.23.14
